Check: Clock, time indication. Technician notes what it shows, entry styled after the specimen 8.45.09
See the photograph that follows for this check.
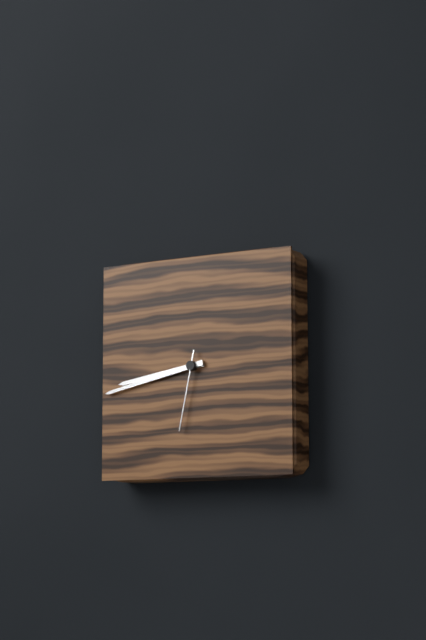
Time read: 8.43.32
